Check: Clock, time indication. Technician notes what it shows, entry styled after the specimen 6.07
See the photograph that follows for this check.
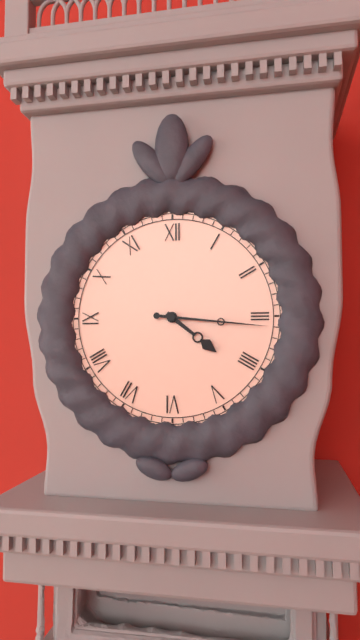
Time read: 4.16
